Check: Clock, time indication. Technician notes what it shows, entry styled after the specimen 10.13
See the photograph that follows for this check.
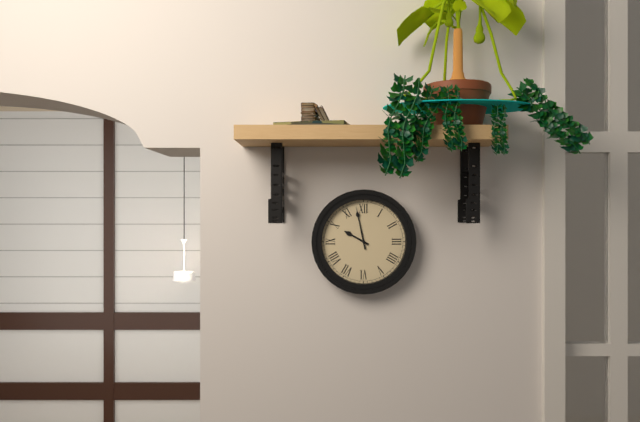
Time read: 9.58
